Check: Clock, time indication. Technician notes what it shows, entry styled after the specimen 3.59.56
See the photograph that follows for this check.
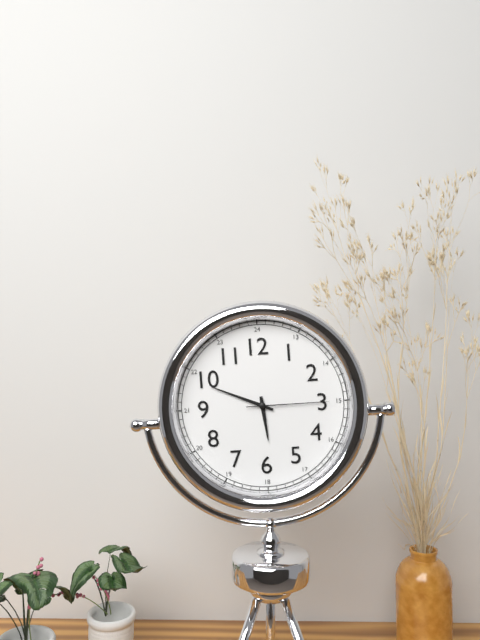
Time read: 5.49.15
